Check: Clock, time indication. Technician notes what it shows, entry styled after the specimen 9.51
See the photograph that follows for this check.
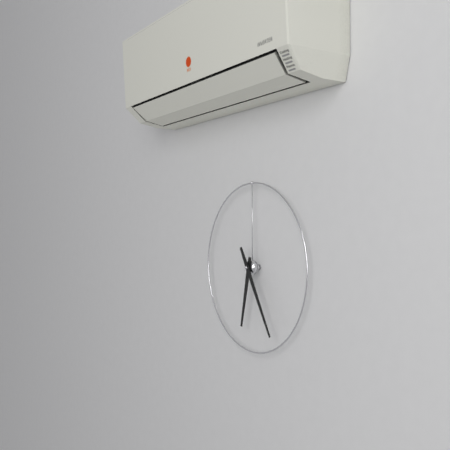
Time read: 6.25
